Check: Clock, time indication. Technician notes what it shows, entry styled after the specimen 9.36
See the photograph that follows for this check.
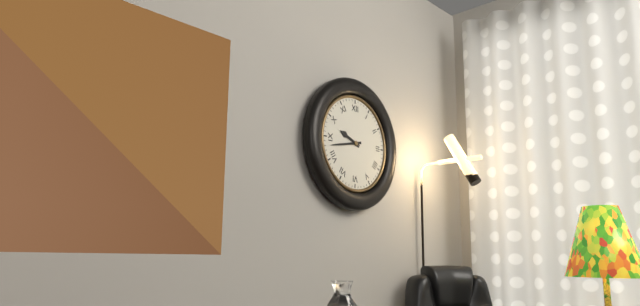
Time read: 9.43
